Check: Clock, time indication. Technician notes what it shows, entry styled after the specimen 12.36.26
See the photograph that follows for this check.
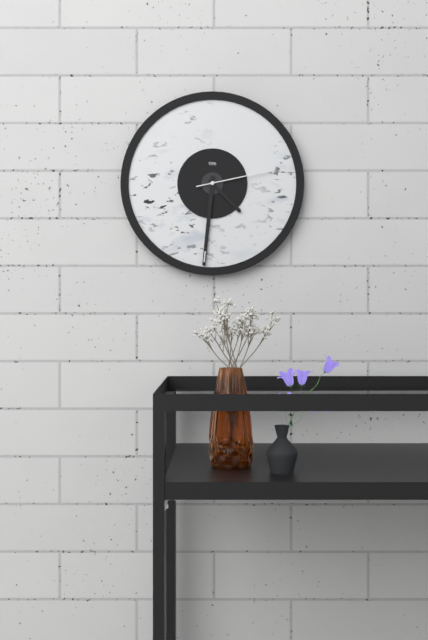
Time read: 4.31.13
